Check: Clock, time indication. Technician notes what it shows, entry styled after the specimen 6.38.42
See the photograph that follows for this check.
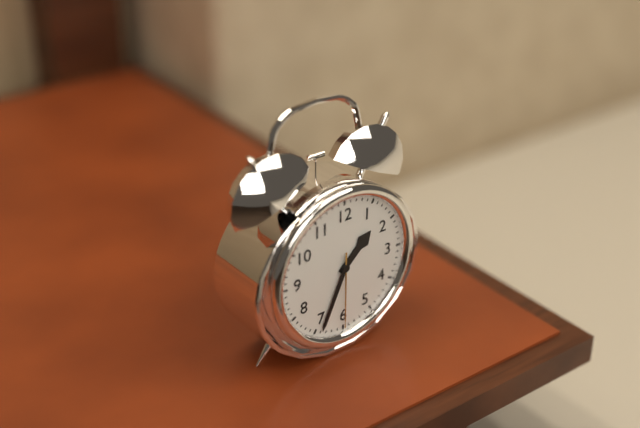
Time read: 1.34.30
